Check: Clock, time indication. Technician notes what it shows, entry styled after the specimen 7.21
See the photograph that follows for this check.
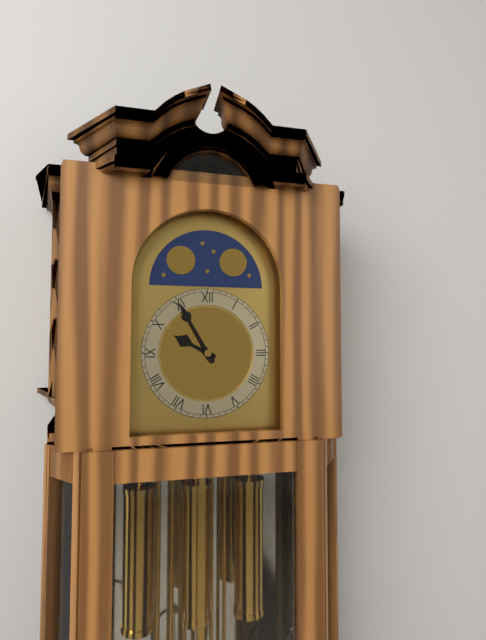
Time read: 9.55
